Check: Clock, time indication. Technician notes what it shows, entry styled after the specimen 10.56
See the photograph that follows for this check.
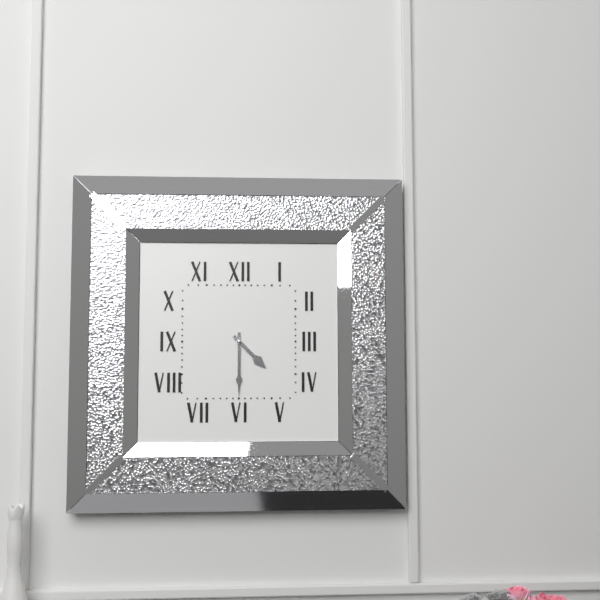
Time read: 4.30
